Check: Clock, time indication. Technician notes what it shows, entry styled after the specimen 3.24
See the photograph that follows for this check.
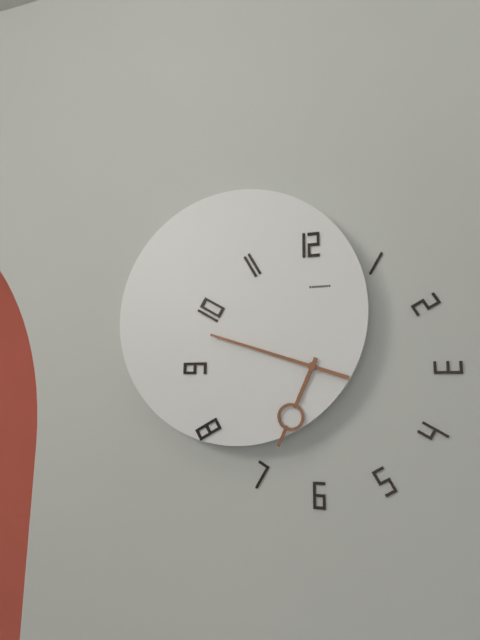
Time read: 6.48
